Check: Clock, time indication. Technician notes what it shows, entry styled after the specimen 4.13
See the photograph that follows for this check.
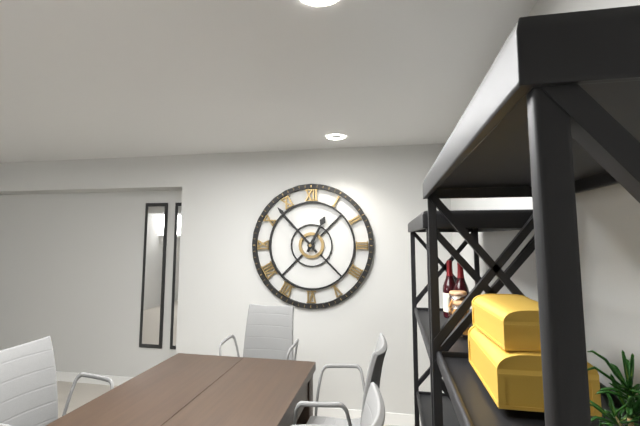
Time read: 12.53
